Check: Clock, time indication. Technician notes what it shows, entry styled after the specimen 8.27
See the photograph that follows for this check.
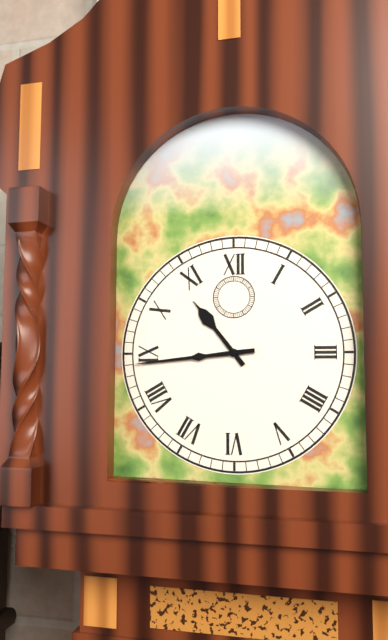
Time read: 10.44
